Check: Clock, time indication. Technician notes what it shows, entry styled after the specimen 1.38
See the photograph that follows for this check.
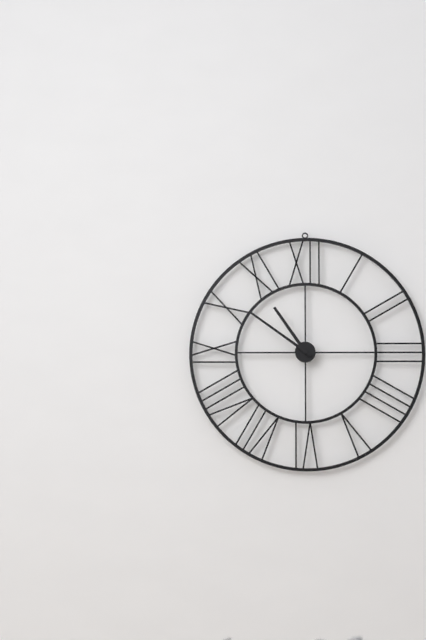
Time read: 10.51
